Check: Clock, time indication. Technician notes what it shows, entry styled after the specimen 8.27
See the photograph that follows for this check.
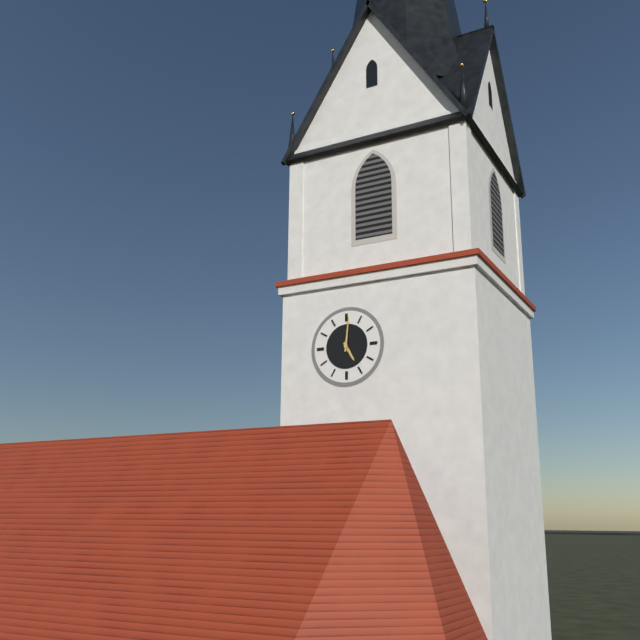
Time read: 5.01
